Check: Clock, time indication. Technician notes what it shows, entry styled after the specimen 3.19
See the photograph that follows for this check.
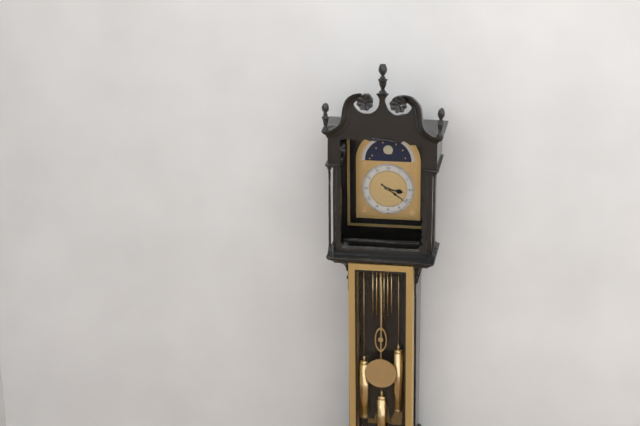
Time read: 3.21
